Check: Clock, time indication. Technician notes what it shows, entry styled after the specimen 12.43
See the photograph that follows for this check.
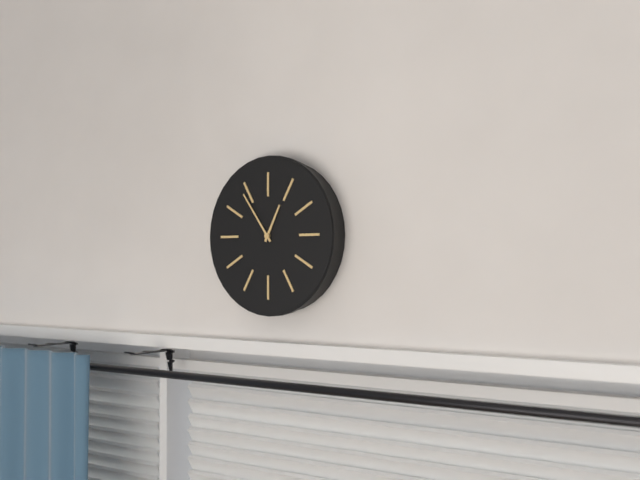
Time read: 12.54
